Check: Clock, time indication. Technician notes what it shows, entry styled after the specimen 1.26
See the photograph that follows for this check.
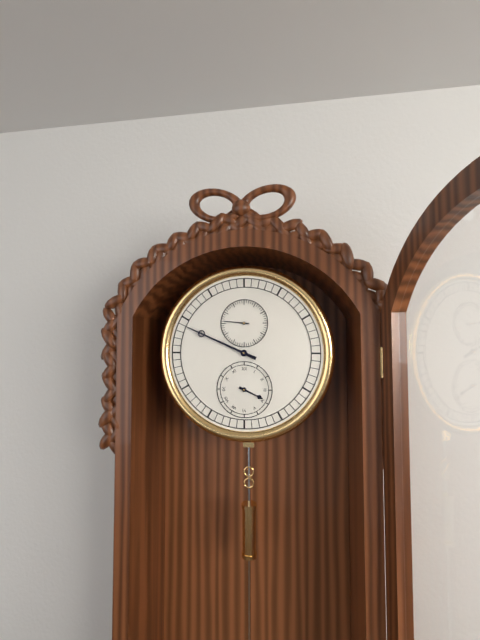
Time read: 3.49
